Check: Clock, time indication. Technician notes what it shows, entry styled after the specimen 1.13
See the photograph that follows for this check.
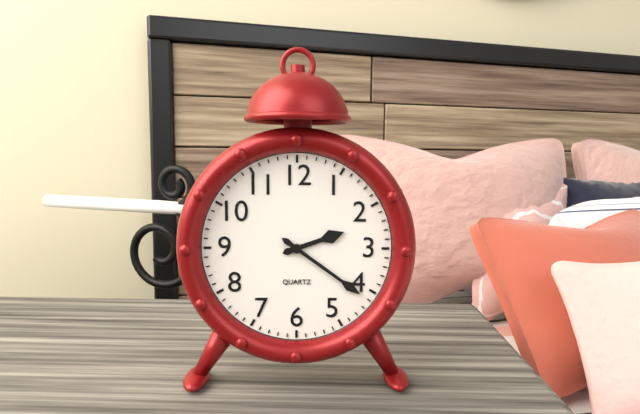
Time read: 2.21
